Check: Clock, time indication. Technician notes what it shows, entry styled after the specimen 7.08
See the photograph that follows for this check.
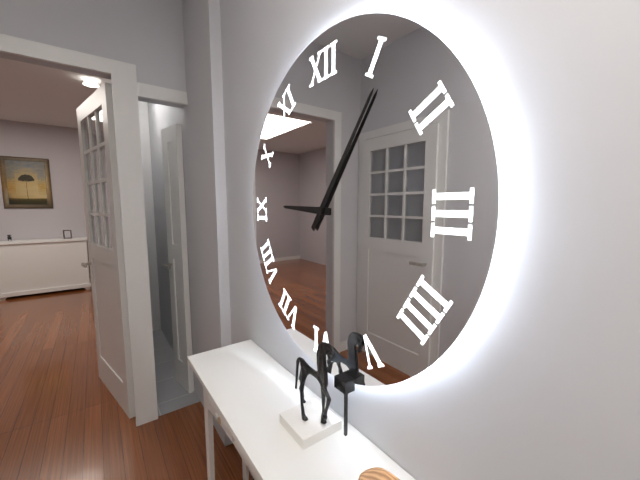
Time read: 9.06
